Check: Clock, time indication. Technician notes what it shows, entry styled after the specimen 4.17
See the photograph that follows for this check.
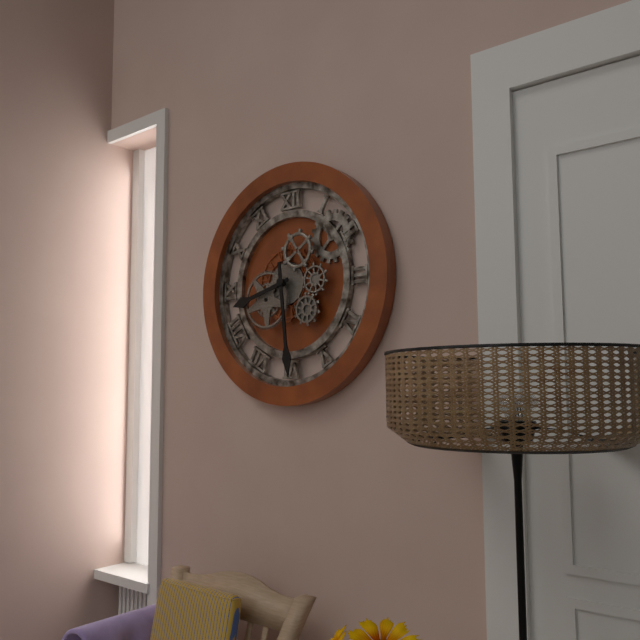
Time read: 8.29
